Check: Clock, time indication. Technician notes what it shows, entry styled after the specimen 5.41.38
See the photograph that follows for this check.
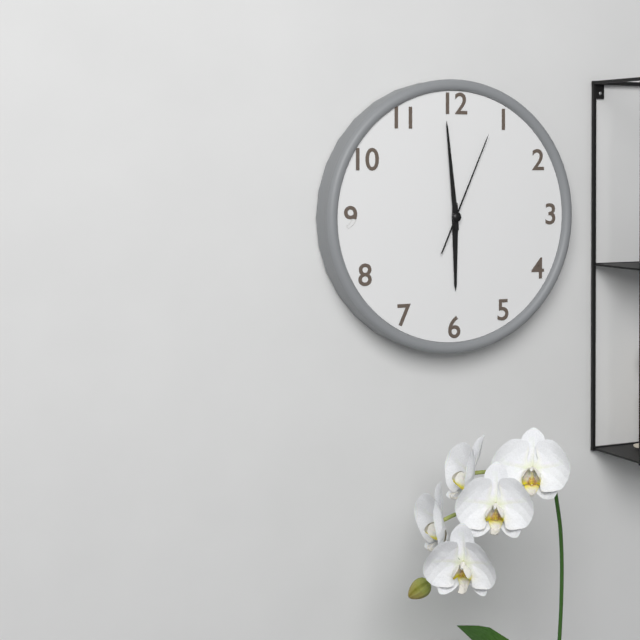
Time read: 5.59.04
